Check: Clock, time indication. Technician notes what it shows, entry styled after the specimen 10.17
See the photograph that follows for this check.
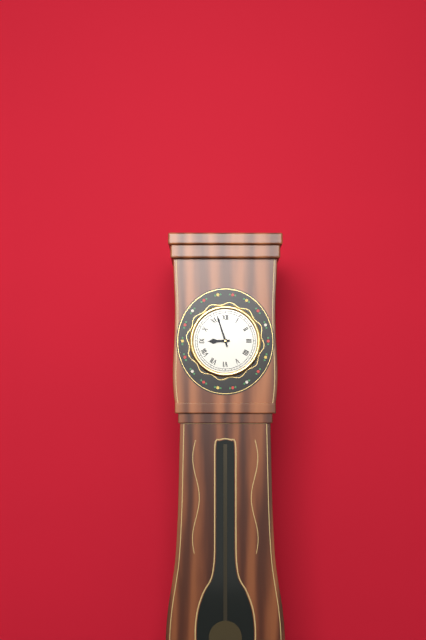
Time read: 8.57
